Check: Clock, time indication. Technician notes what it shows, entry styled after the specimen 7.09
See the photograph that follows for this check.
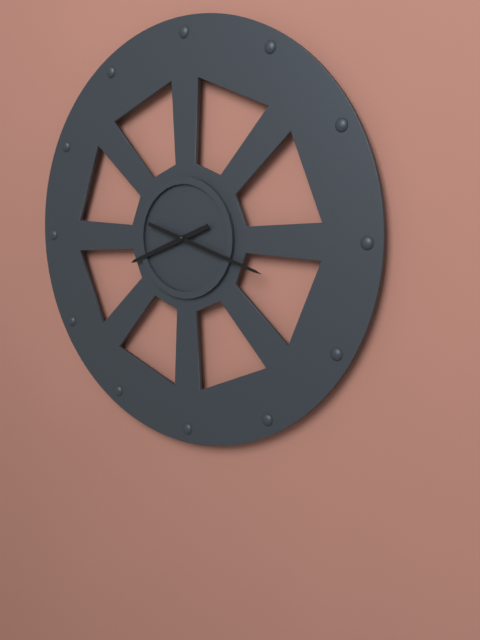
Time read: 8.18
